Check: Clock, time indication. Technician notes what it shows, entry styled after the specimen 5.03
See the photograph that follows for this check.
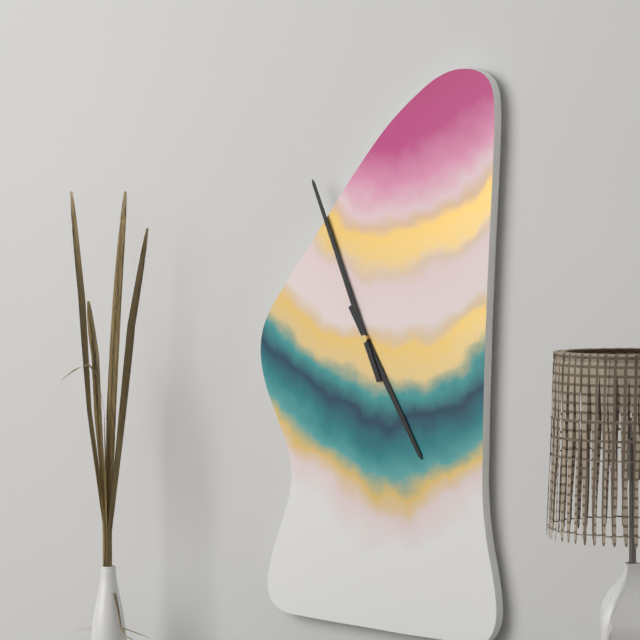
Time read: 4.56
